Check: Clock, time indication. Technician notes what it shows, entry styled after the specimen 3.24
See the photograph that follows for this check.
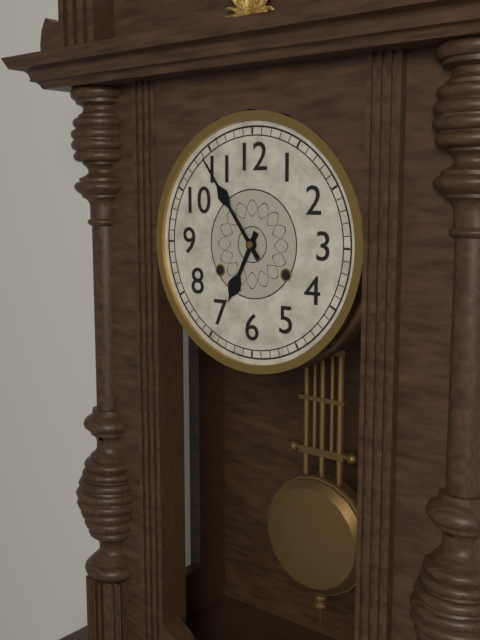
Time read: 6.54
